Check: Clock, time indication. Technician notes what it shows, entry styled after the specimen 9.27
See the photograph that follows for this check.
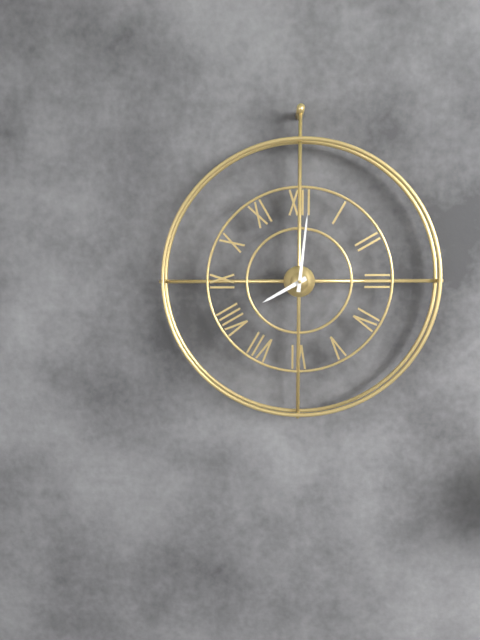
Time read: 8.01
